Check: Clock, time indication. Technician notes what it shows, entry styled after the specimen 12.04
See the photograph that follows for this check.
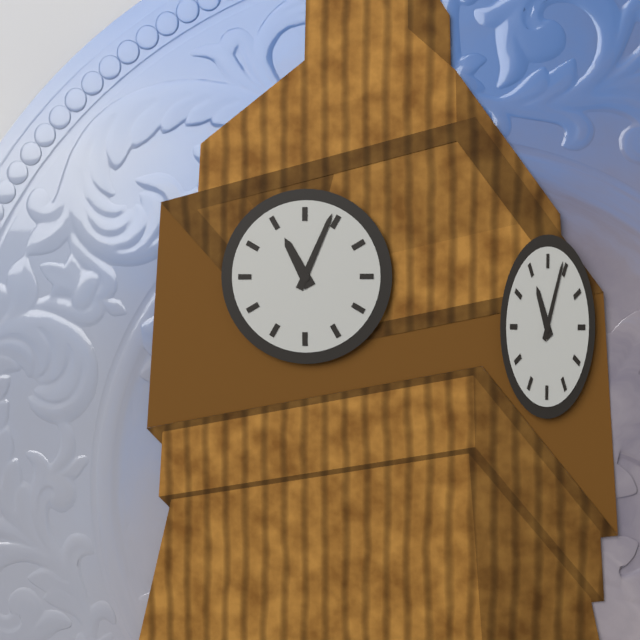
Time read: 11.04
